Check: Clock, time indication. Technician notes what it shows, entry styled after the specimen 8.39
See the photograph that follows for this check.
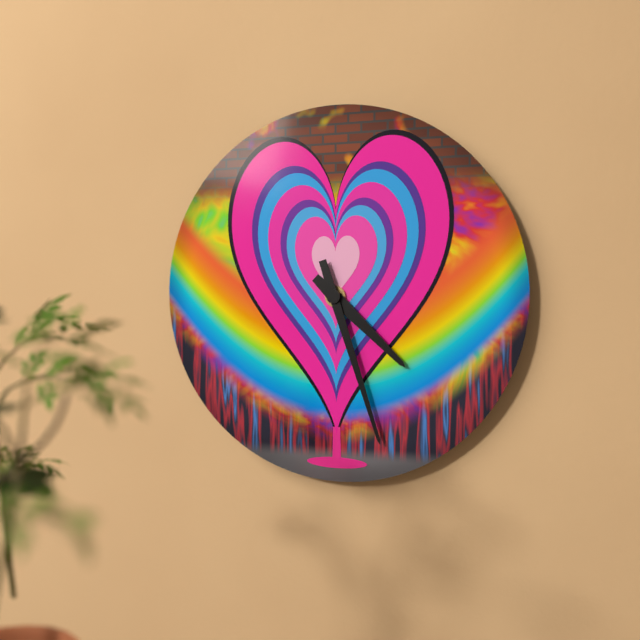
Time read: 4.27
